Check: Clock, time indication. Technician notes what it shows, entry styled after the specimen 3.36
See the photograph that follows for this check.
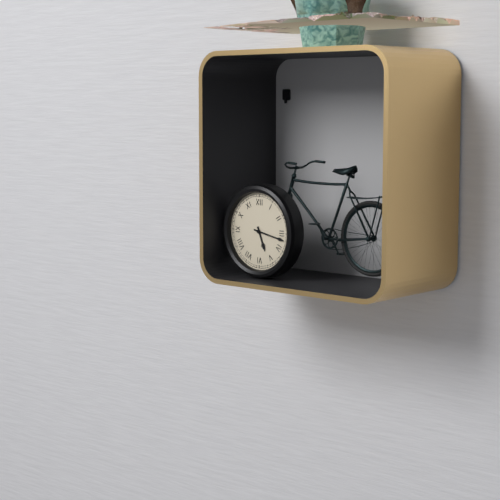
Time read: 5.17
